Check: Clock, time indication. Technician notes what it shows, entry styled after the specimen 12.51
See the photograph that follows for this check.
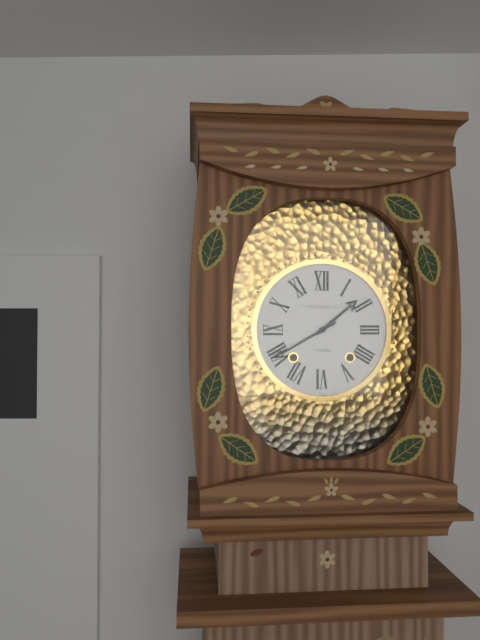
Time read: 1.40
